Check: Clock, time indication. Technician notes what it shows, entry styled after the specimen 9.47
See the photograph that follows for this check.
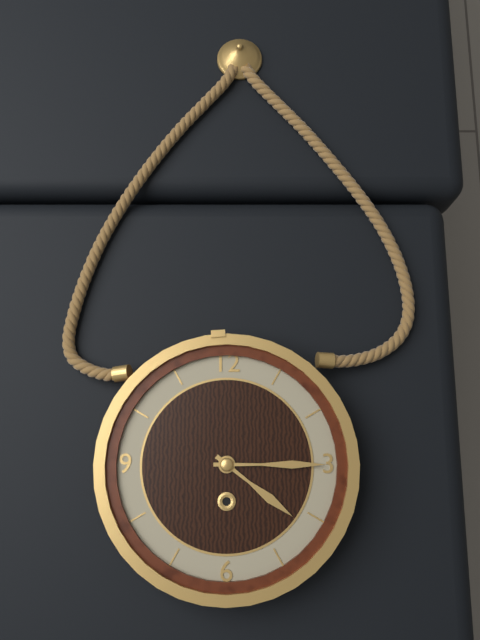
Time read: 4.15
